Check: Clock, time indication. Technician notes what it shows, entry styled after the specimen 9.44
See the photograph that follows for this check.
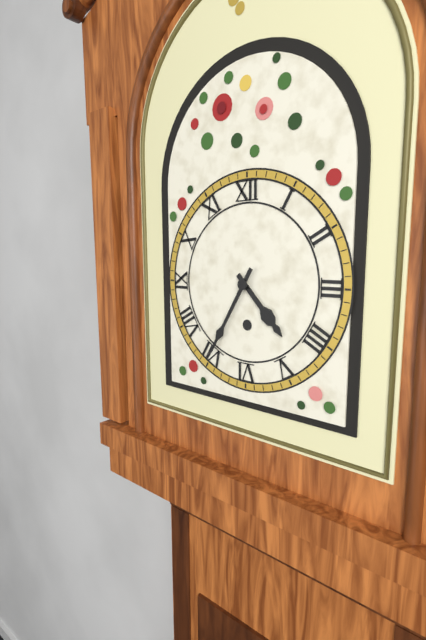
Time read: 4.35
